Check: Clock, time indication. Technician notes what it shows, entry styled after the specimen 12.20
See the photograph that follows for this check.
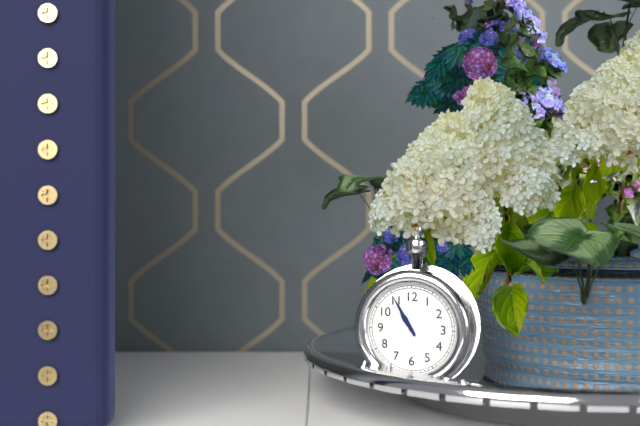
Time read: 10.55
